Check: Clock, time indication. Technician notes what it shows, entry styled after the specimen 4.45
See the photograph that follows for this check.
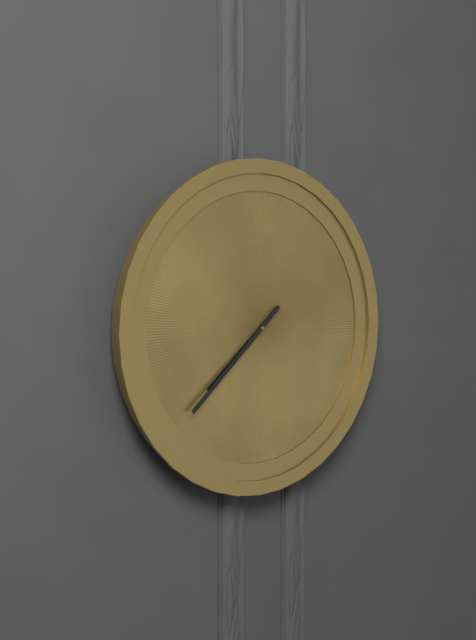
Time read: 7.38
